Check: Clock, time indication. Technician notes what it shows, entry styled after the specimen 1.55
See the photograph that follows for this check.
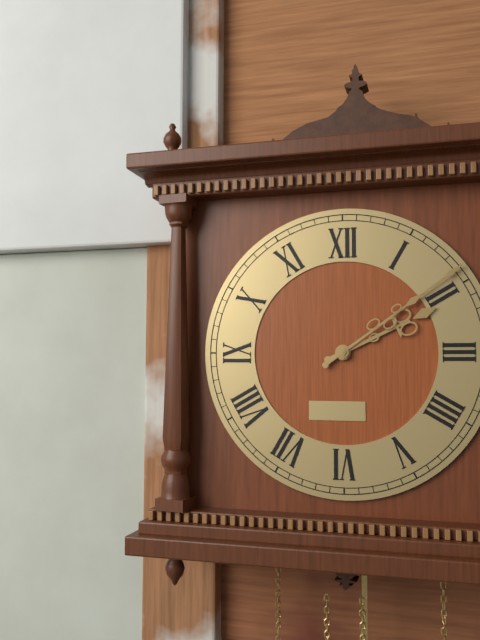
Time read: 2.09
